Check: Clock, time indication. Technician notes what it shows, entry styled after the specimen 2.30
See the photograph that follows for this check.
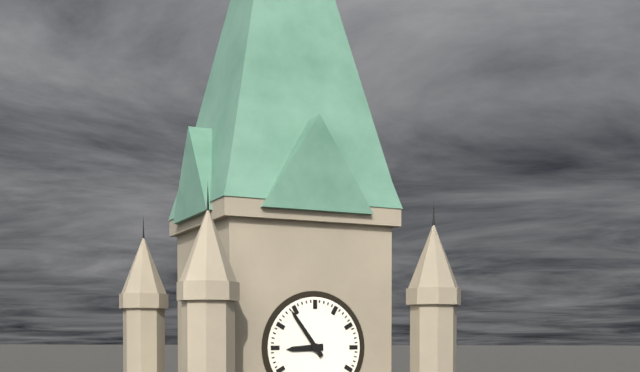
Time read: 8.54
